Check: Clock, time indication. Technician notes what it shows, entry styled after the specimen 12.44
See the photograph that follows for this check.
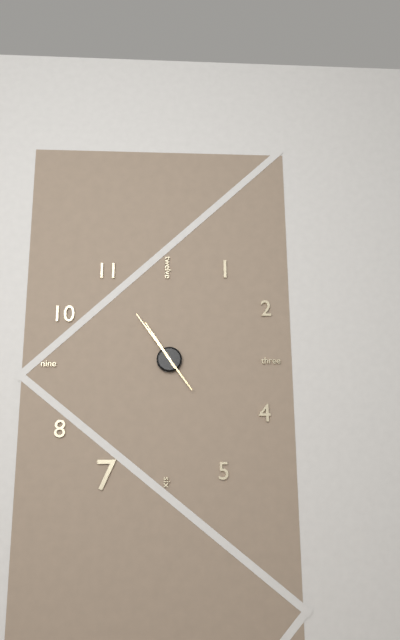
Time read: 10.54
